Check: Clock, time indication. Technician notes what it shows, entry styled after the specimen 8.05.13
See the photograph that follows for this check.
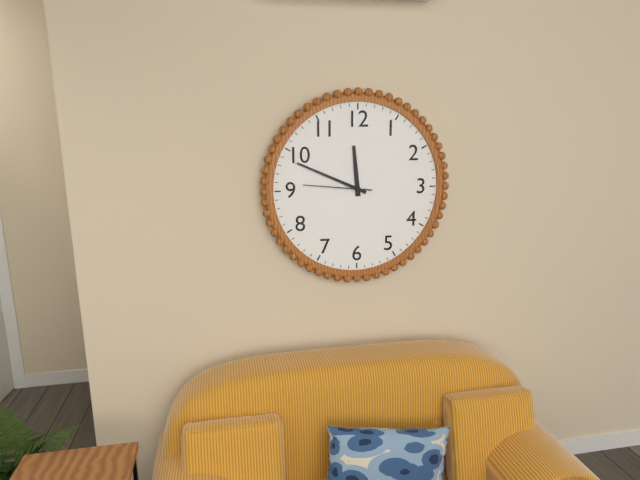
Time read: 11.49.46
